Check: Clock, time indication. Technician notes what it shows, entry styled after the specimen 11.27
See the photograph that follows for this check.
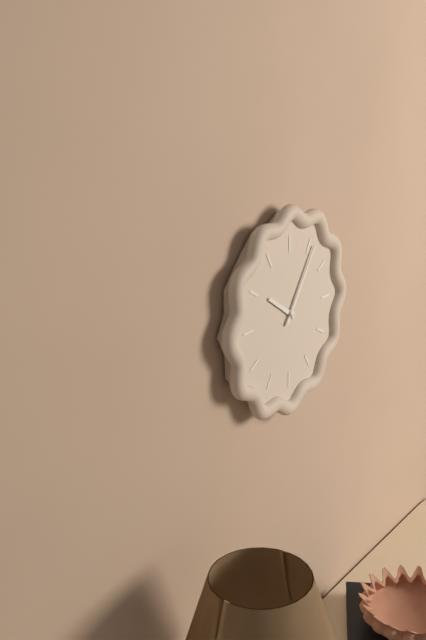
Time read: 10.06
